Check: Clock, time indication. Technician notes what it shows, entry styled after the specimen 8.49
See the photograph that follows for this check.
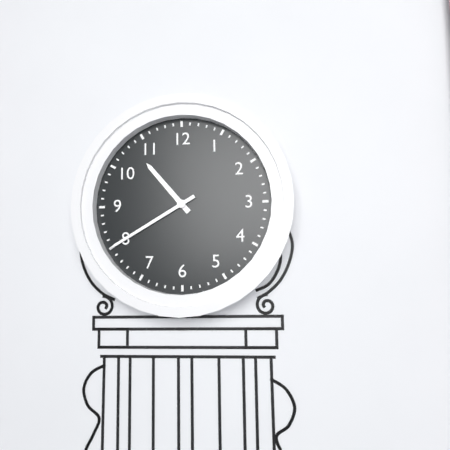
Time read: 10.40
